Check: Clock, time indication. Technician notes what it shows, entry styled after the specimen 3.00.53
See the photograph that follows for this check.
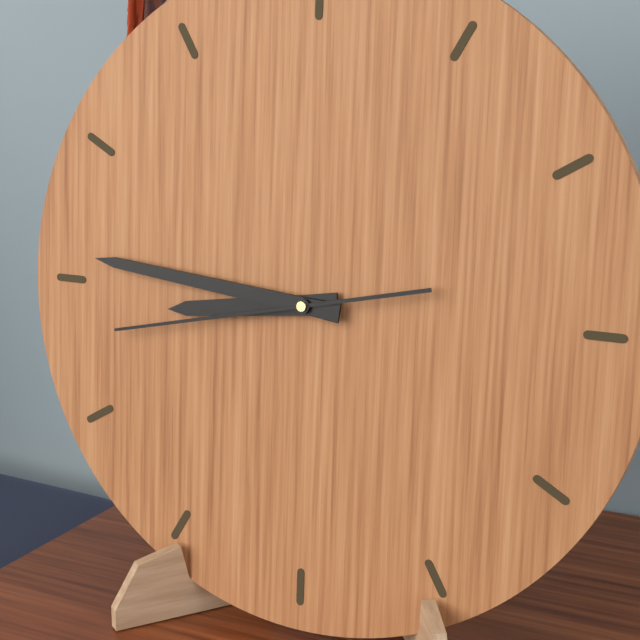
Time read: 8.46.43
